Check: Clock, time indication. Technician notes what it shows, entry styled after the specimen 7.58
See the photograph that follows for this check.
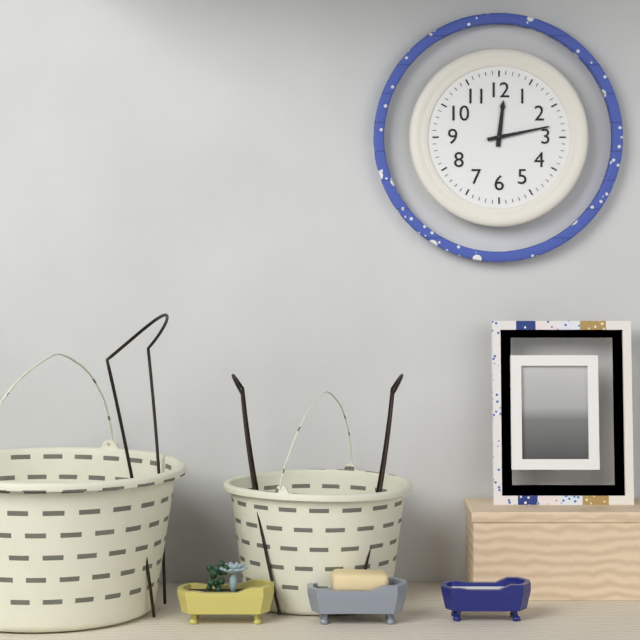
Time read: 12.13
